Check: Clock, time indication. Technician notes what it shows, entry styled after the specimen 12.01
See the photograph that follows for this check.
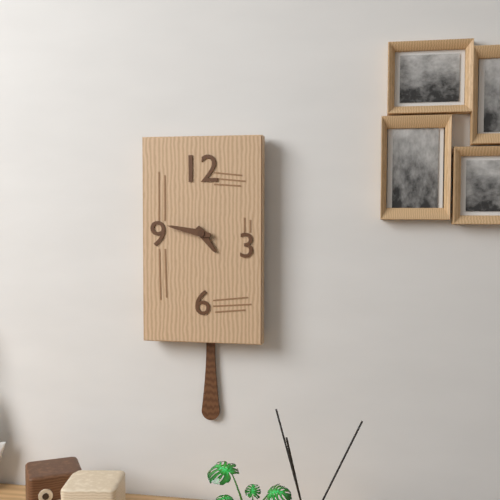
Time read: 4.47
